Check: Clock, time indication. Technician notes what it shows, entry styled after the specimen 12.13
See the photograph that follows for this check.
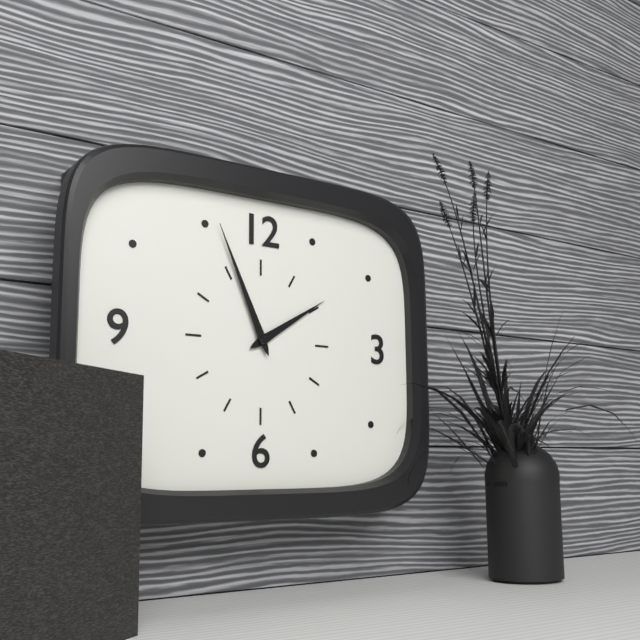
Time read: 1.56
